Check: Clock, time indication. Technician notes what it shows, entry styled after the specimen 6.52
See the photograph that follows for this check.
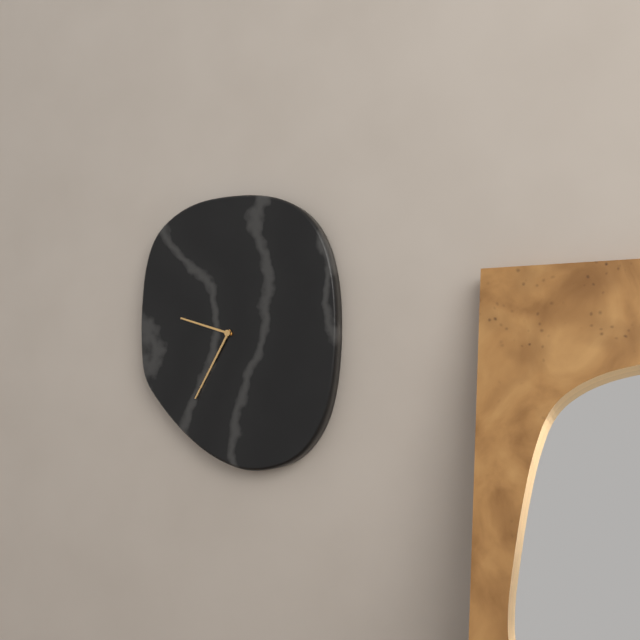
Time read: 9.35
